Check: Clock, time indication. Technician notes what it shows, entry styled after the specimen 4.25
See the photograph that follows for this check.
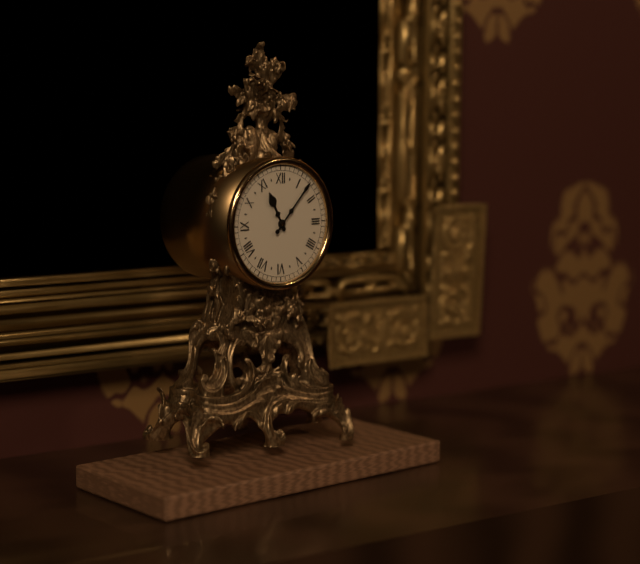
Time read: 11.07
